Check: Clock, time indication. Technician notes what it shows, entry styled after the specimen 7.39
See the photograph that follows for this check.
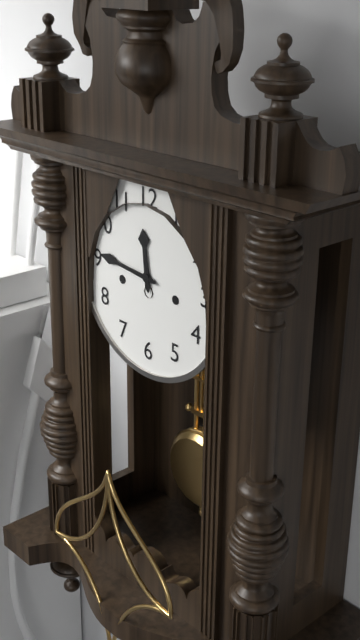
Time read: 11.46
